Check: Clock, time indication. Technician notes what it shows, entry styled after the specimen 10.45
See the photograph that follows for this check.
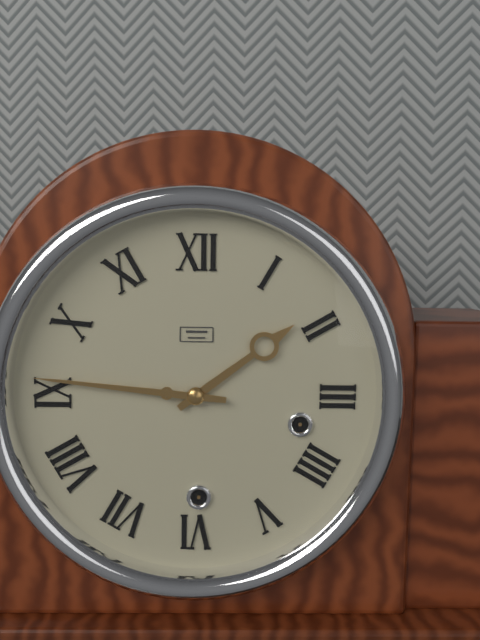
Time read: 1.46
